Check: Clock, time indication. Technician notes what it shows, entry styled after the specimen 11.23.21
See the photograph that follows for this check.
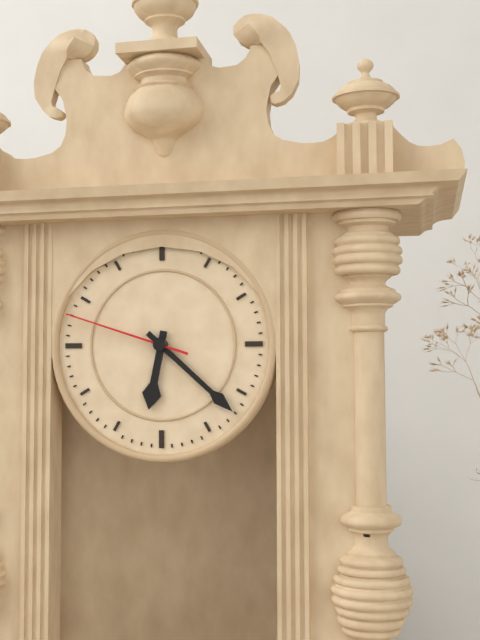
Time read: 6.22.48
